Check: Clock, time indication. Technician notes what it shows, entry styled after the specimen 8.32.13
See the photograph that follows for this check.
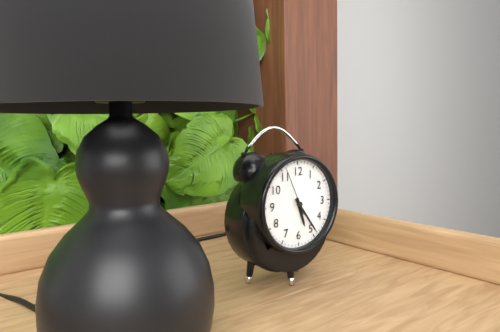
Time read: 5.24.56
